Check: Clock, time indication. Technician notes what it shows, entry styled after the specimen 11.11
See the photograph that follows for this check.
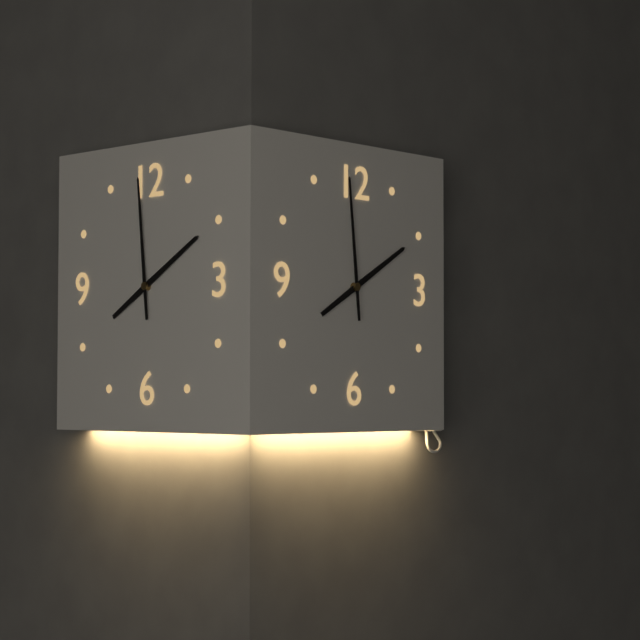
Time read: 1.59
